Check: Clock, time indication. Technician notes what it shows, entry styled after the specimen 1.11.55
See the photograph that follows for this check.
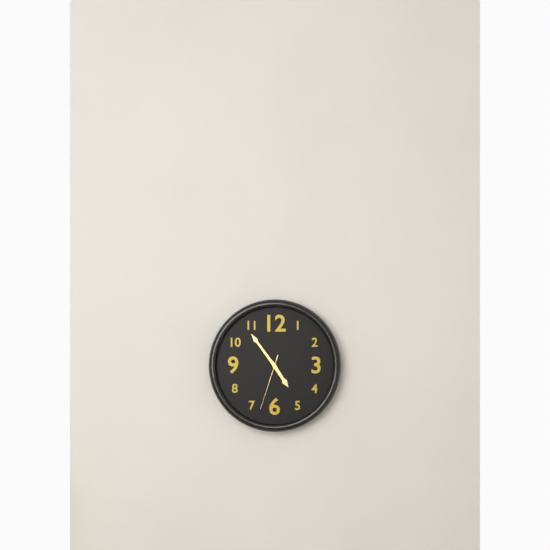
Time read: 4.54.33
